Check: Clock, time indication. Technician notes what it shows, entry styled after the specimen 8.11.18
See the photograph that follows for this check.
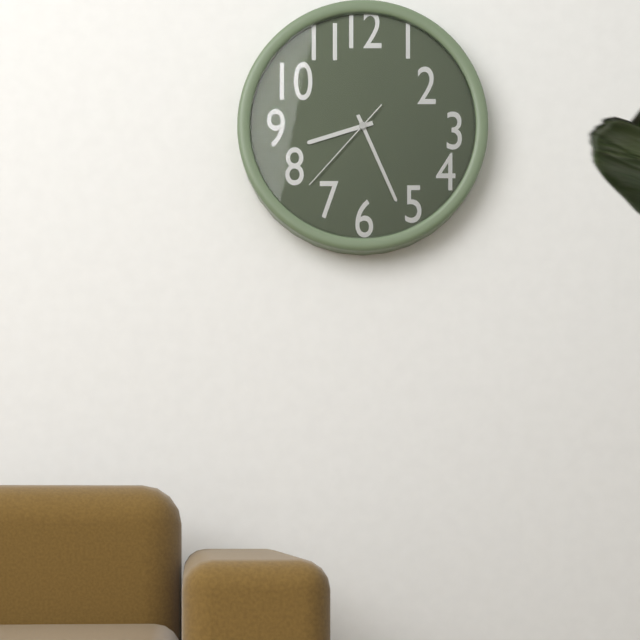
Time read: 8.26.37
